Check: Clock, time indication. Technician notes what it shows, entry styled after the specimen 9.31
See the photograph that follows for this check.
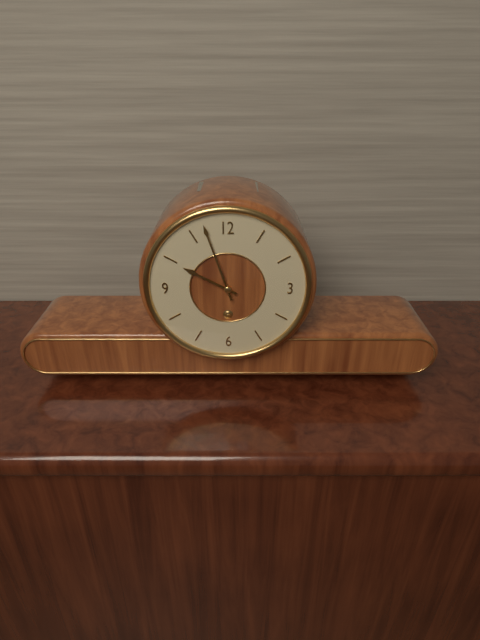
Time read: 9.57
